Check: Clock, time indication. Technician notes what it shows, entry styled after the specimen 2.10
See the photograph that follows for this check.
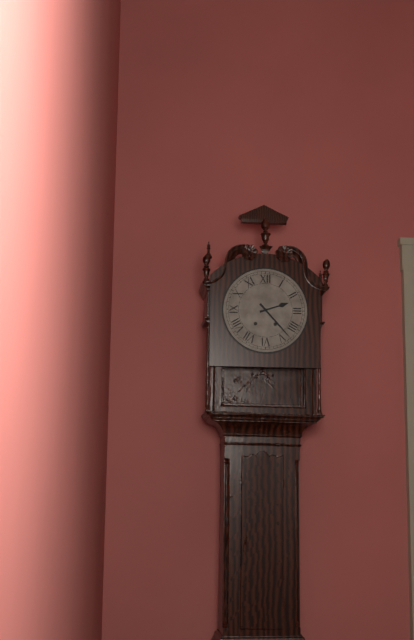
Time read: 2.23
